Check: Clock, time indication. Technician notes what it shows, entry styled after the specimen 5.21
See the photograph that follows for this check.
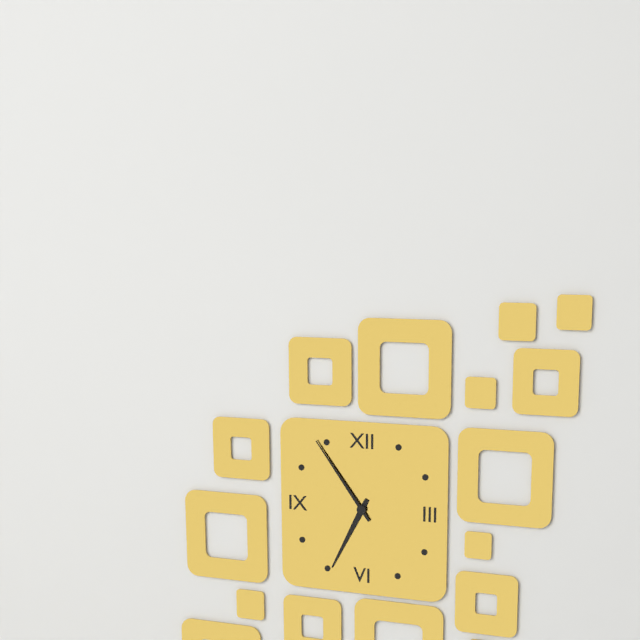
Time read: 6.54
